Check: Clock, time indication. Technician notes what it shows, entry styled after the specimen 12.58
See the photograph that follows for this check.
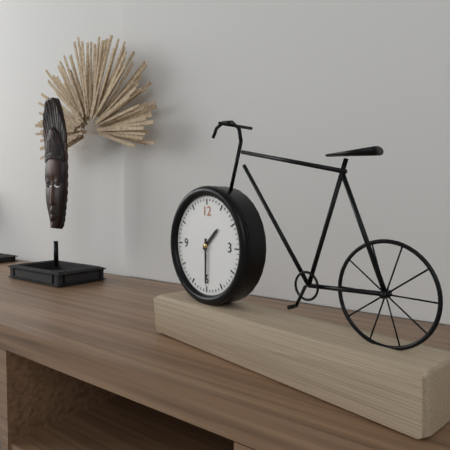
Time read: 1.30
